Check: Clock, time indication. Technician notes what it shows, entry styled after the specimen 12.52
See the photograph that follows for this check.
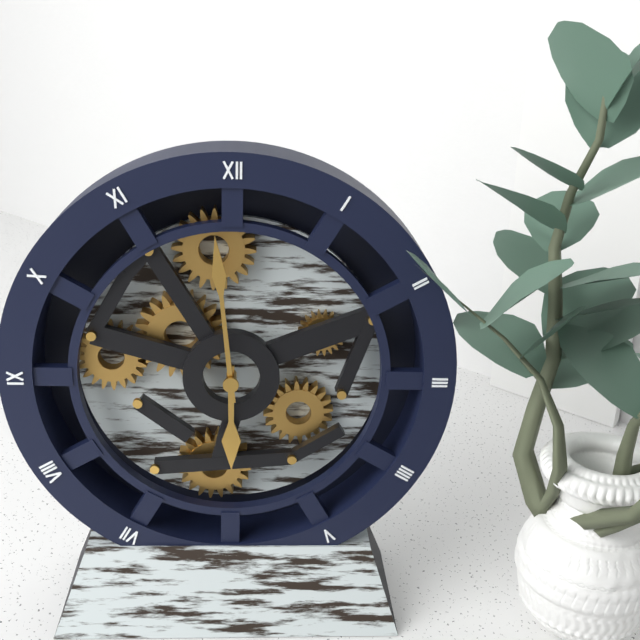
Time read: 5.59
